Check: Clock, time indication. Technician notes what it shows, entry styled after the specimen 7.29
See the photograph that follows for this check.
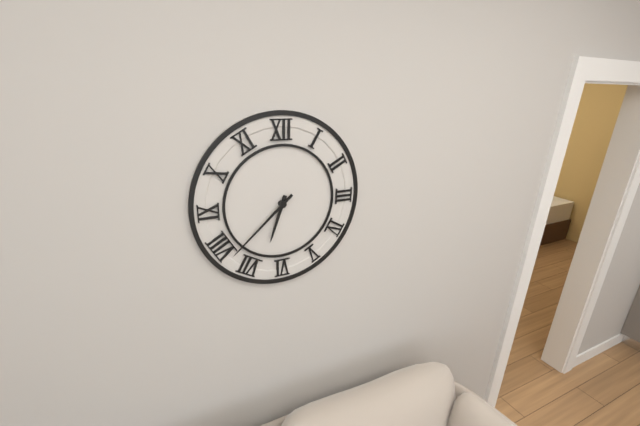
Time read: 6.38
